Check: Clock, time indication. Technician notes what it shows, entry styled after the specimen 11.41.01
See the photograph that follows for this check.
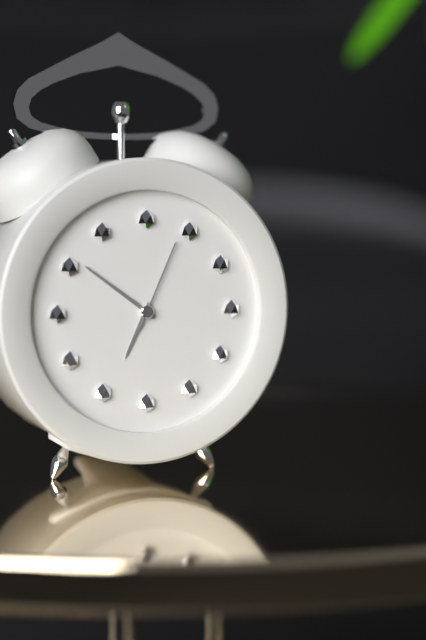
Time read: 6.51.04
